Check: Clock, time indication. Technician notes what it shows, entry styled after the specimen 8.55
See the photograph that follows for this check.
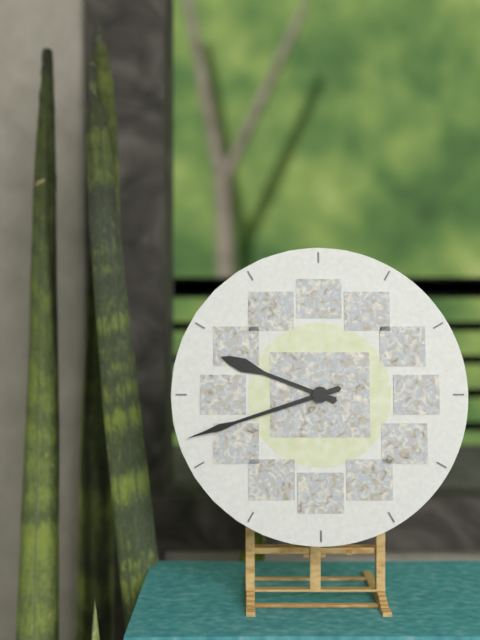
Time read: 9.42
